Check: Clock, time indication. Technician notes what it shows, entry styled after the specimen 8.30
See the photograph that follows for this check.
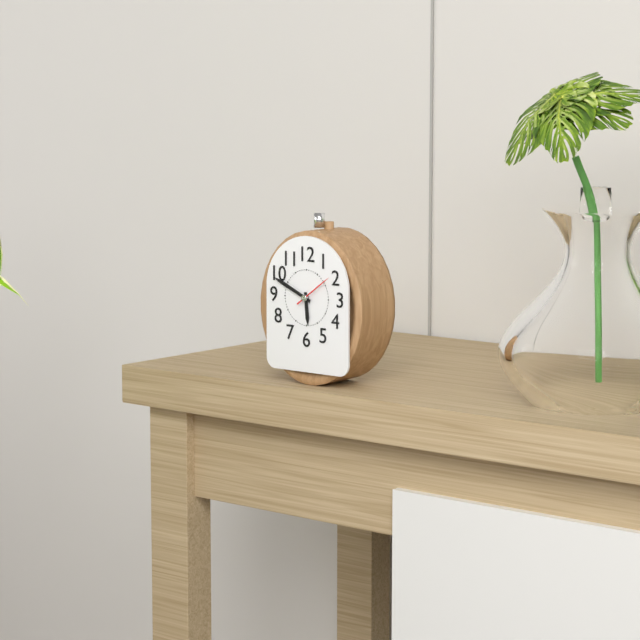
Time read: 5.49
